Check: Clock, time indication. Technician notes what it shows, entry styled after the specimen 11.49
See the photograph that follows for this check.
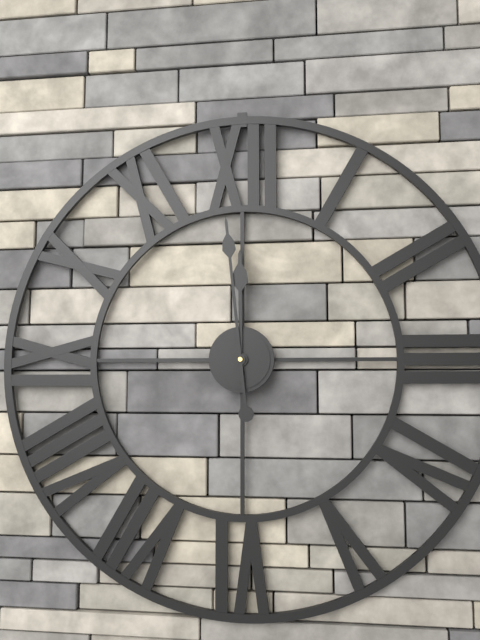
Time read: 11.59
